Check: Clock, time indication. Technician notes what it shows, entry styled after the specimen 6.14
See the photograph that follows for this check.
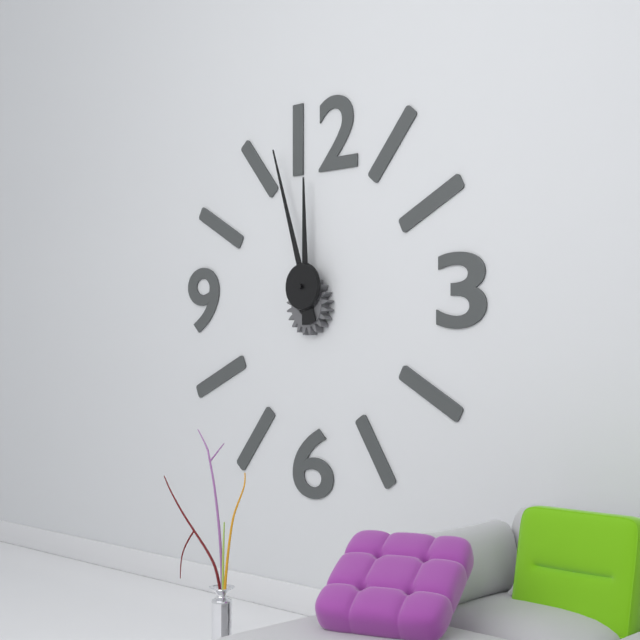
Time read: 11.57
